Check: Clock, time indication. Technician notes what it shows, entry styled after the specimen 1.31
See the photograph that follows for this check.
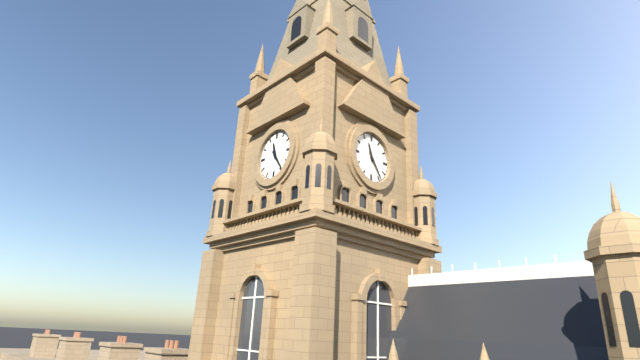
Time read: 11.24
